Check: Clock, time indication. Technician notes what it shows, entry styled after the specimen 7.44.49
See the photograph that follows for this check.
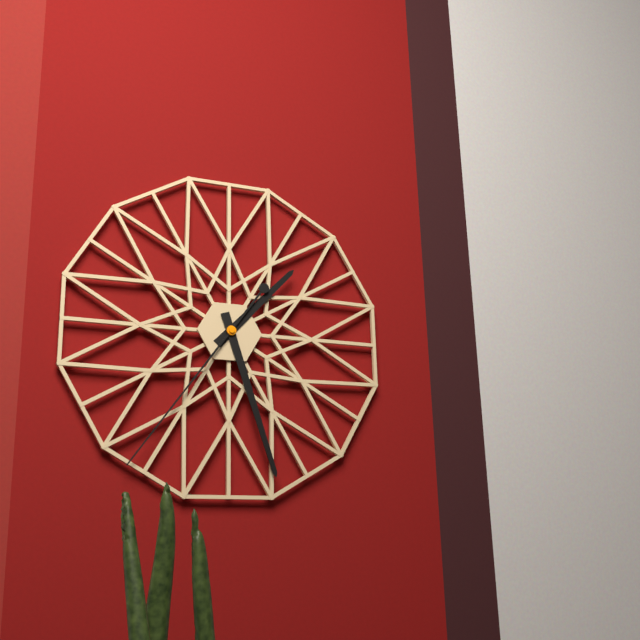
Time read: 1.27.36
